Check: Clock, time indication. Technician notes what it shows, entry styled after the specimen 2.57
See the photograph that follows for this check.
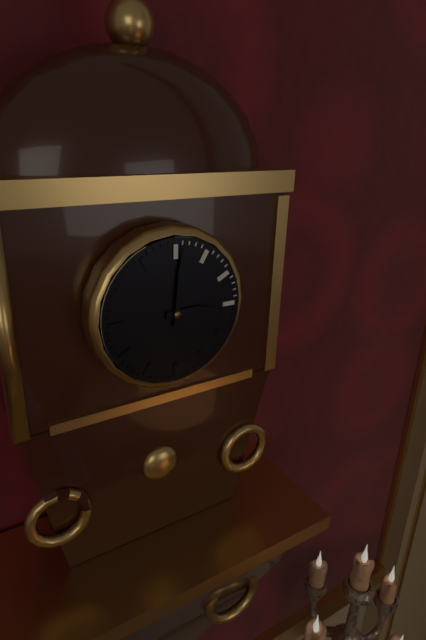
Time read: 3.01
